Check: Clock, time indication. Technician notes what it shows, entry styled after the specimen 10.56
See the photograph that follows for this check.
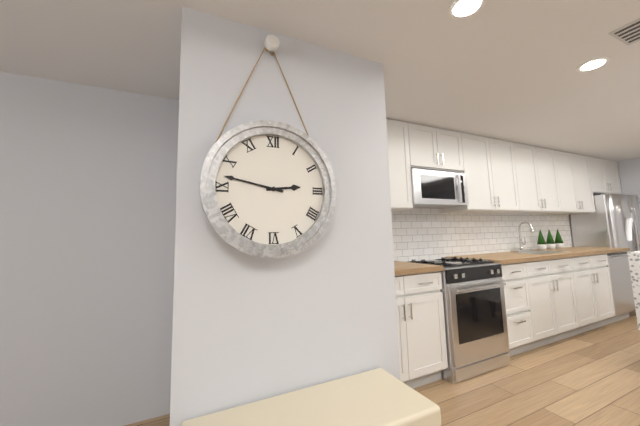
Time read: 2.47
